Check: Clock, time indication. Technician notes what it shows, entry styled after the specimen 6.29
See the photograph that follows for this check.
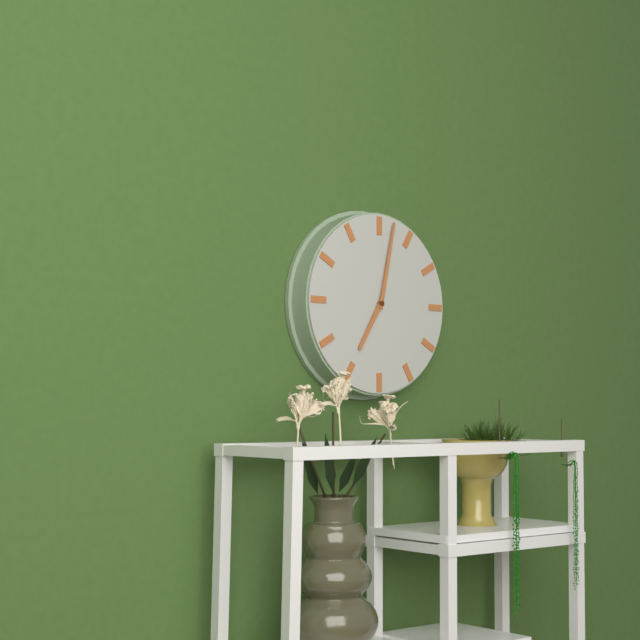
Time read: 7.02
